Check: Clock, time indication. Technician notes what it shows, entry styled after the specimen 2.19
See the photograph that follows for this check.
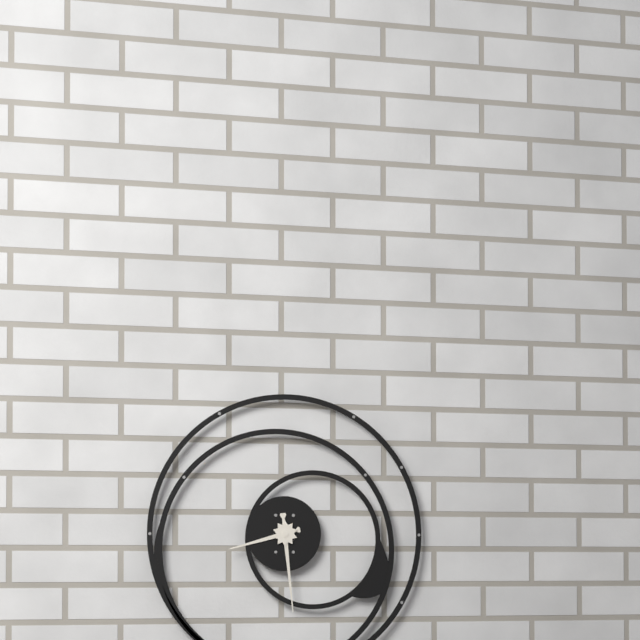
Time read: 8.29
